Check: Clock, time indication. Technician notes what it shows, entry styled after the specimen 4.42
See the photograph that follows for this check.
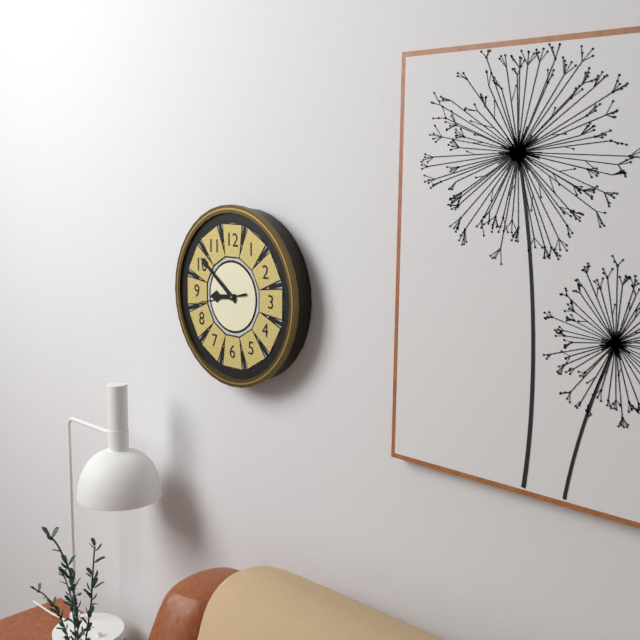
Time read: 8.51
